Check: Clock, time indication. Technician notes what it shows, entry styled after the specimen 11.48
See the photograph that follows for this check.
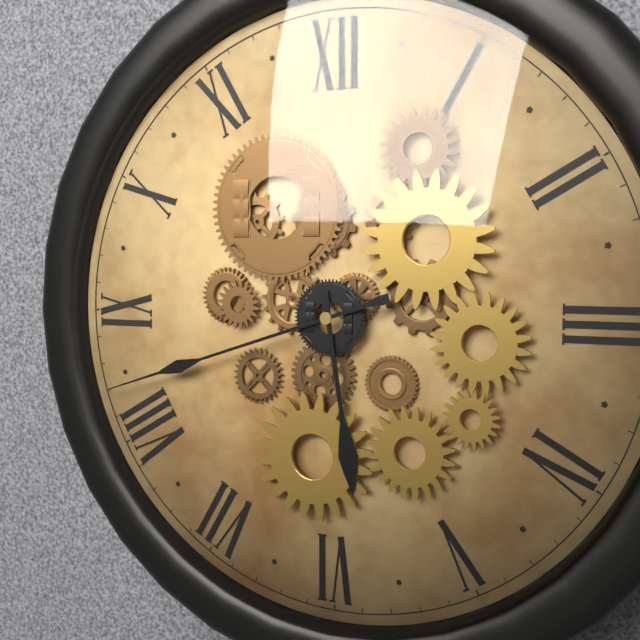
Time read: 5.42
